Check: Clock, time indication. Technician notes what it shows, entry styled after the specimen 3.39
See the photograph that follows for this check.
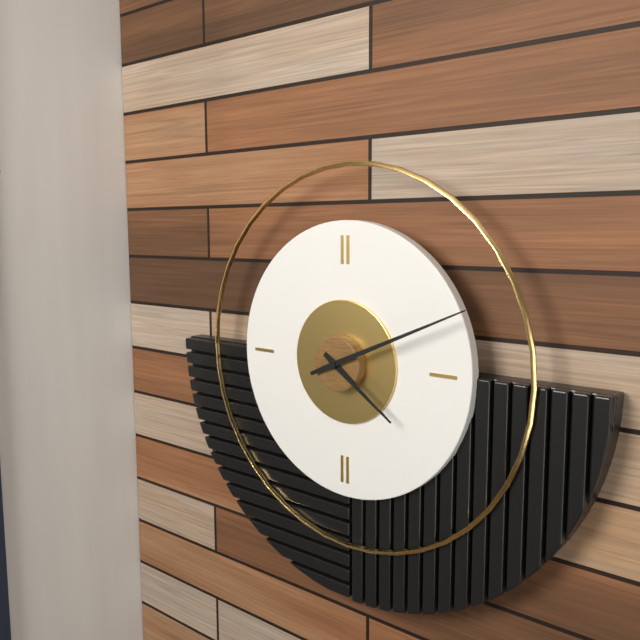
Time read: 4.11
